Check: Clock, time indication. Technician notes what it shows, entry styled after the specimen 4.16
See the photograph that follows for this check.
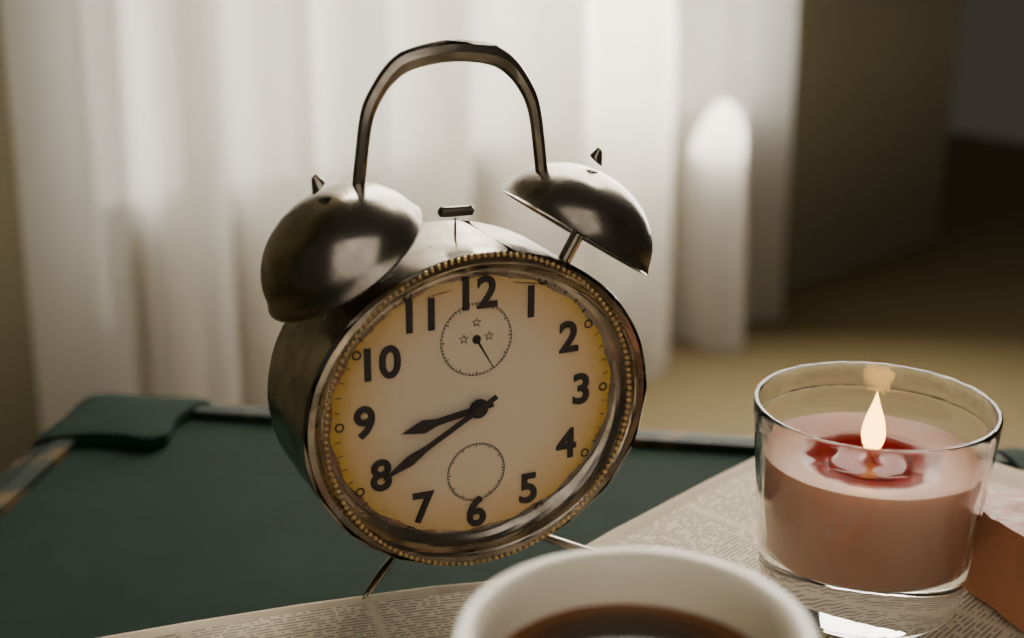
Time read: 8.40
